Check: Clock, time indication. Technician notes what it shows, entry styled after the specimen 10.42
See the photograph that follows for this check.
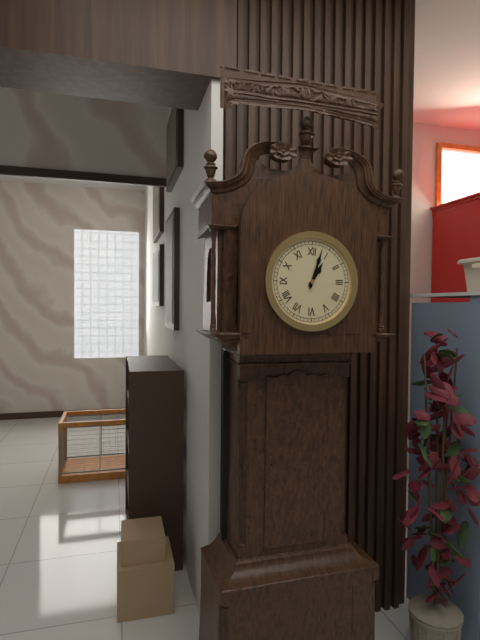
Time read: 1.03
